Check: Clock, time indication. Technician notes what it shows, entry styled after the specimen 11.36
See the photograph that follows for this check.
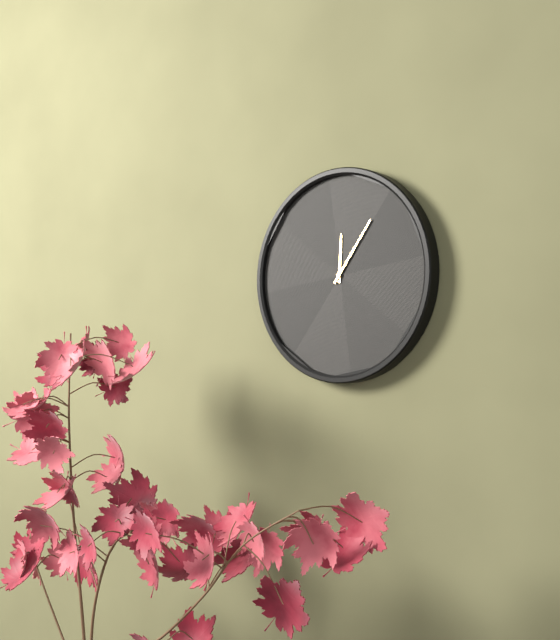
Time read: 12.06
